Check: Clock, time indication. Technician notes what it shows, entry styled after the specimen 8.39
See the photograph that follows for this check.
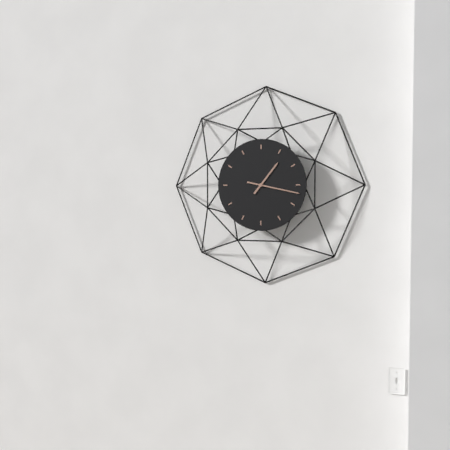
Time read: 1.17
